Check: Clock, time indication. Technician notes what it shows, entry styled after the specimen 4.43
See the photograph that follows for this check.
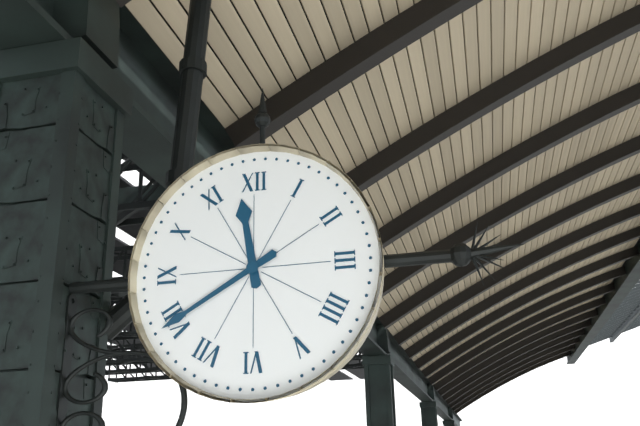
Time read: 11.40
